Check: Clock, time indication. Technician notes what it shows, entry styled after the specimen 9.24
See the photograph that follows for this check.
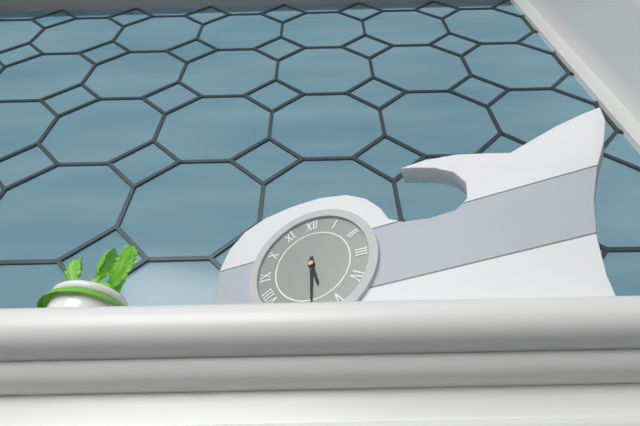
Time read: 5.30
